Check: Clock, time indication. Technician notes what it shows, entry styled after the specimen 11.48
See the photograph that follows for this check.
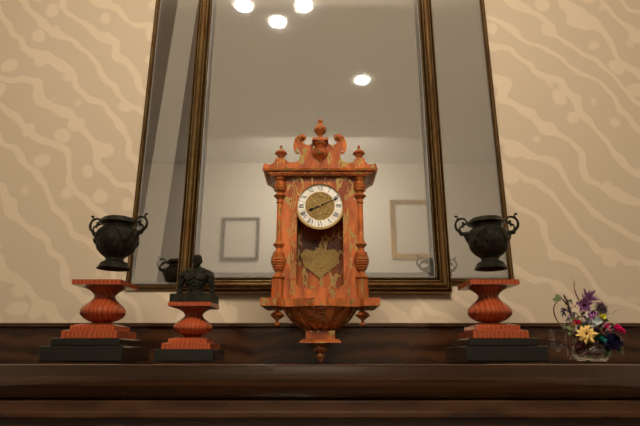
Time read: 8.11
